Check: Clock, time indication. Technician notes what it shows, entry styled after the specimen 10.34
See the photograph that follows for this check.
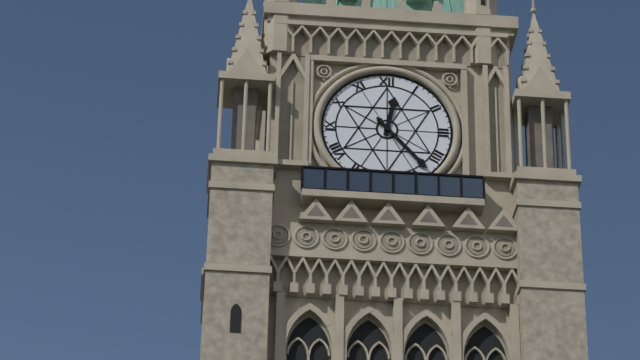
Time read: 12.23
